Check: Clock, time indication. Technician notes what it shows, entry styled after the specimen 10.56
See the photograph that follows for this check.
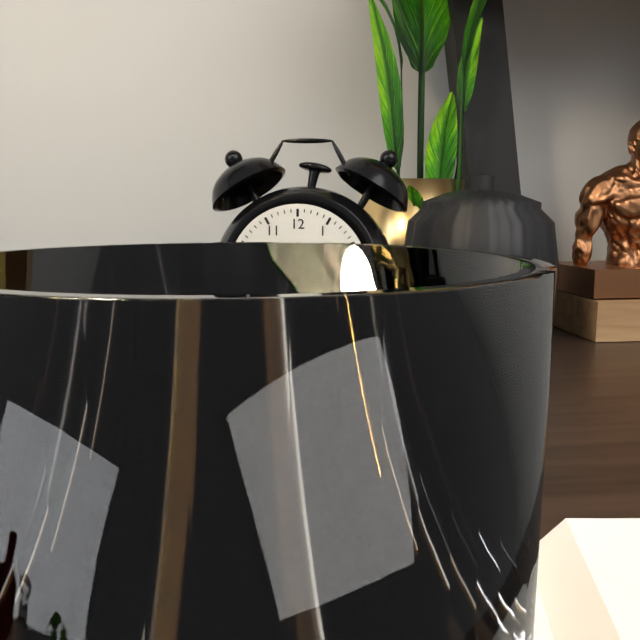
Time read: 1.15
